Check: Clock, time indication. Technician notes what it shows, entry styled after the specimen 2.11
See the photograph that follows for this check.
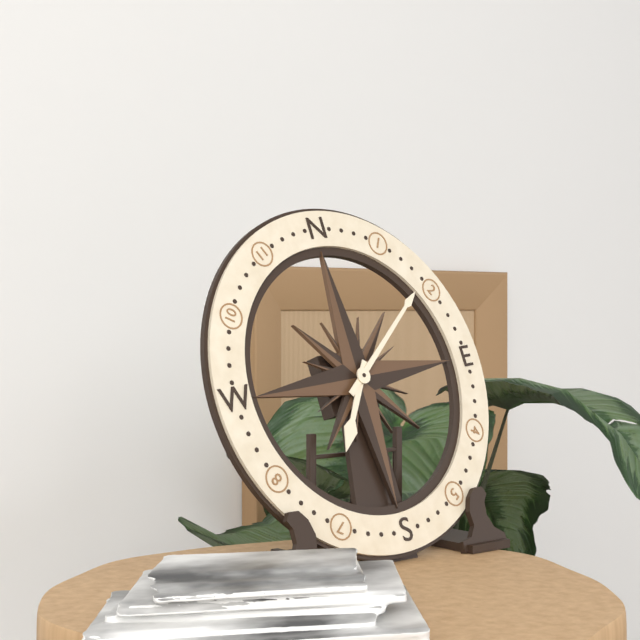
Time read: 7.09
